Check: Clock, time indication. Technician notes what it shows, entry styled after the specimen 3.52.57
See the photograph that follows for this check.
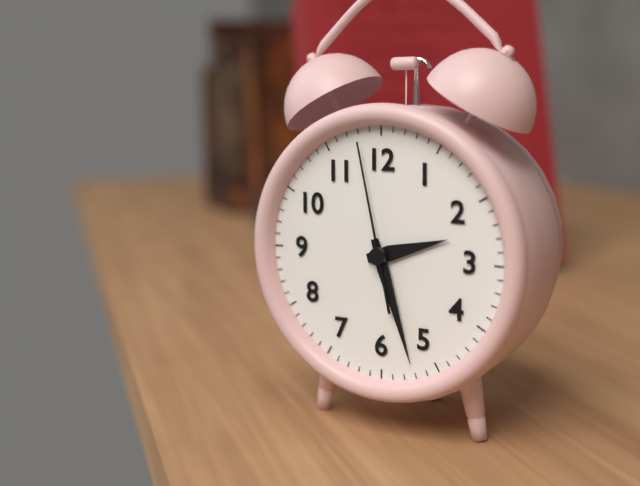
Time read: 2.27.58
